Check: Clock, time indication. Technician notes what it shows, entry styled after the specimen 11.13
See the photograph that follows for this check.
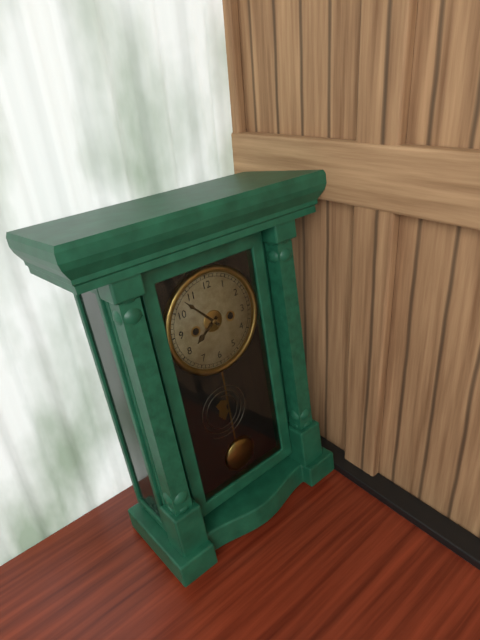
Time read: 7.53
